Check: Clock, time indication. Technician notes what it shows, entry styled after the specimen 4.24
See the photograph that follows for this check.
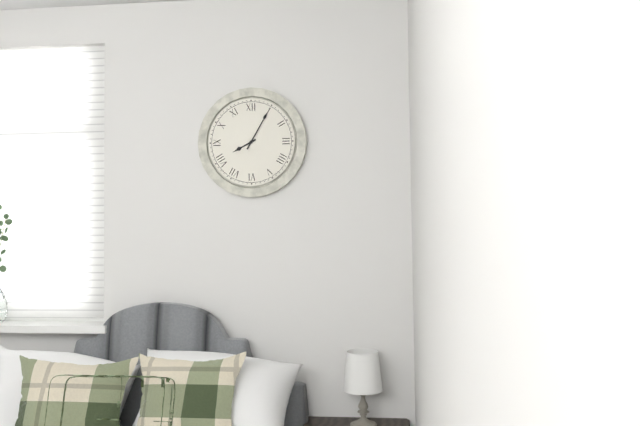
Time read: 8.05
